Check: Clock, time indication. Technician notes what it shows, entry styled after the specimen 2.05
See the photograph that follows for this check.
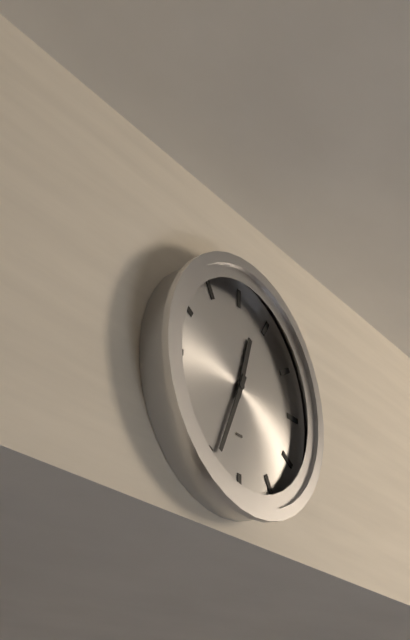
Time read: 12.34
